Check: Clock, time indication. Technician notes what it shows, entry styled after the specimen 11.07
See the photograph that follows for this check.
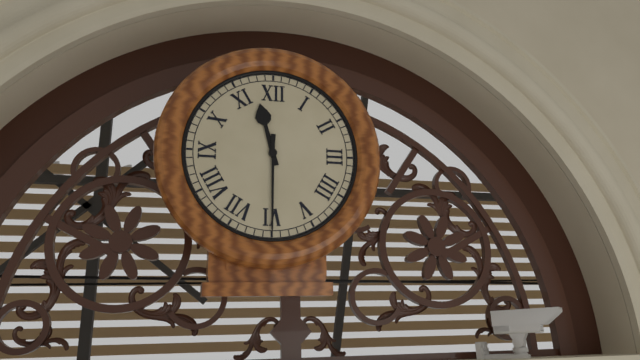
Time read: 11.30
